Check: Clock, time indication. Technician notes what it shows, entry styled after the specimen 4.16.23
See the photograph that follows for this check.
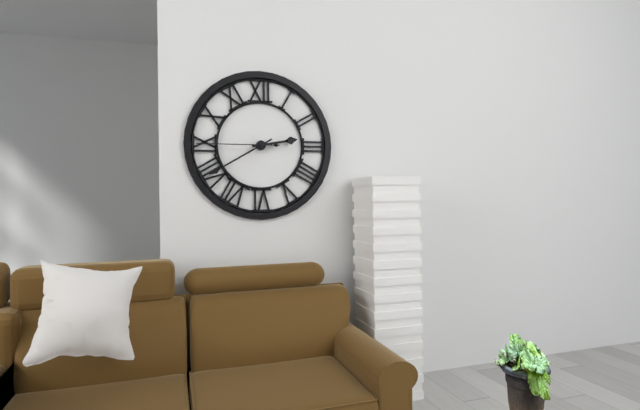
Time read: 2.40.45
